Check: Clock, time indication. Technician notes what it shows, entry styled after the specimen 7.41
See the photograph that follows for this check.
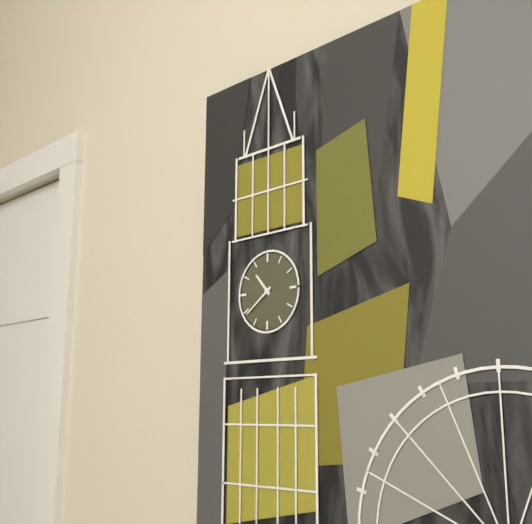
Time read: 10.39
